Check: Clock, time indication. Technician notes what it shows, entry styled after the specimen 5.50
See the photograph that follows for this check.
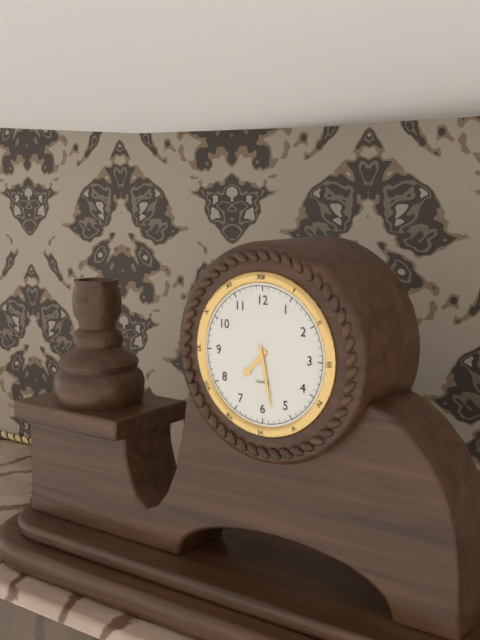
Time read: 7.28
